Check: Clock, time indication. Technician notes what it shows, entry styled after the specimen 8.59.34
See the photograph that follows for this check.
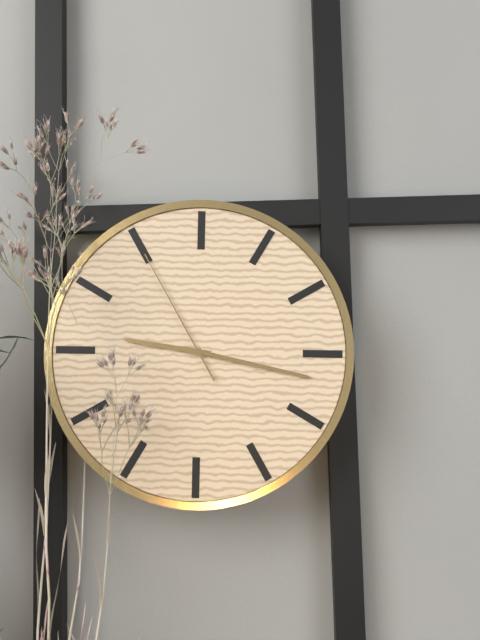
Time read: 9.17.55
